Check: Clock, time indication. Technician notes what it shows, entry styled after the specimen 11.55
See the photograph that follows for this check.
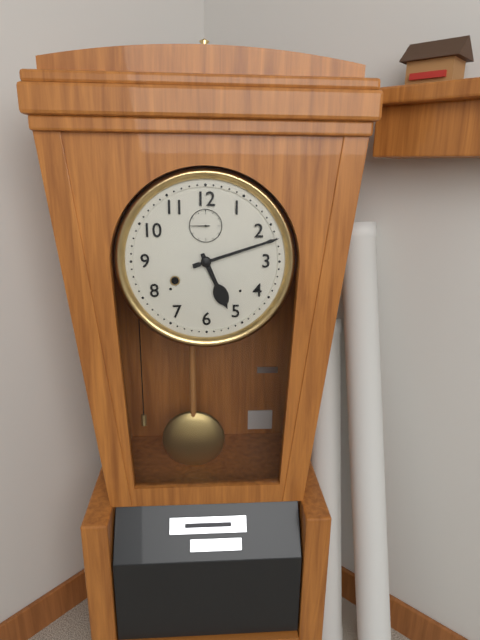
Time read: 5.12
